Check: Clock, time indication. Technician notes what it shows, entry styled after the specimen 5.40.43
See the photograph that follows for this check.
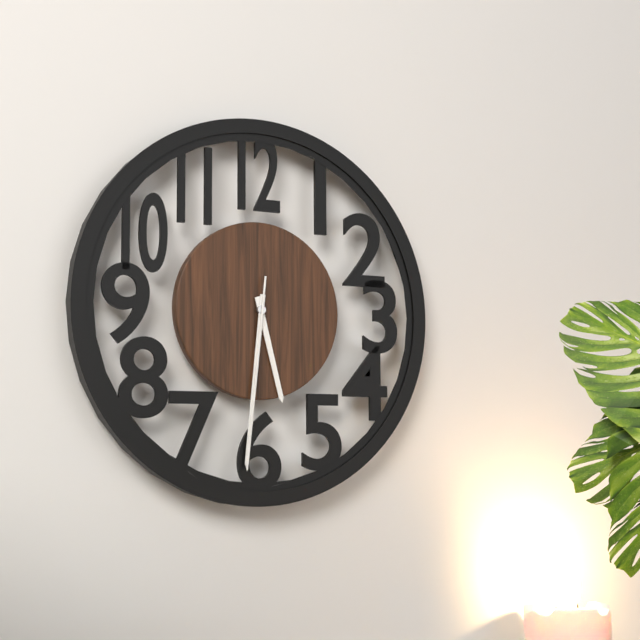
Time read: 5.31.31
